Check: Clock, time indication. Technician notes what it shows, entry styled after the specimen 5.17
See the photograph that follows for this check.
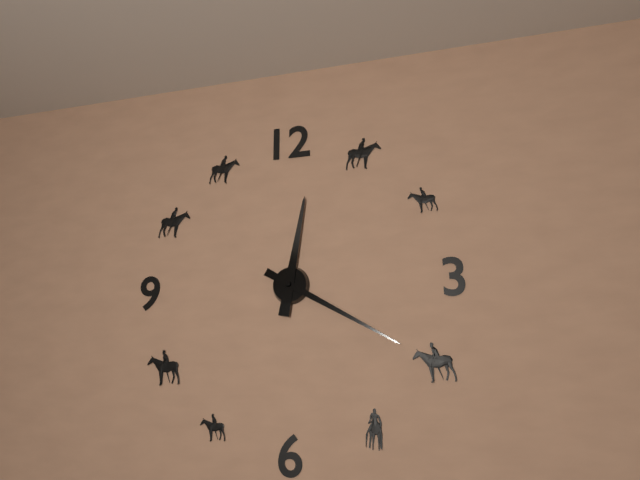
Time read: 12.20
